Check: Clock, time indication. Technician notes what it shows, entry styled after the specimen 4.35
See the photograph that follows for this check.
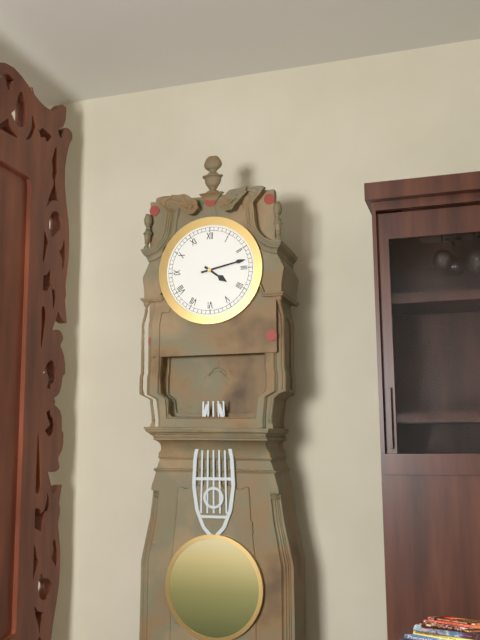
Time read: 4.13
